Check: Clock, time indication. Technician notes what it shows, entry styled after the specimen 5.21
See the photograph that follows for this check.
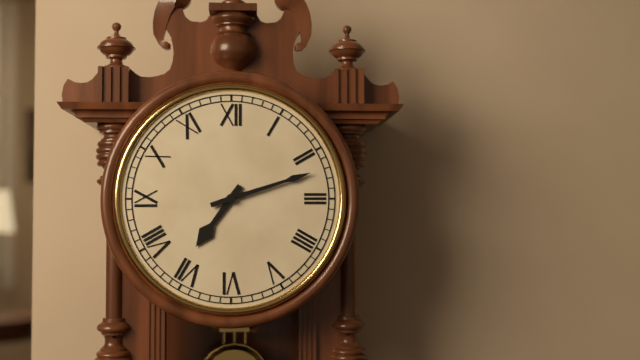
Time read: 7.12
